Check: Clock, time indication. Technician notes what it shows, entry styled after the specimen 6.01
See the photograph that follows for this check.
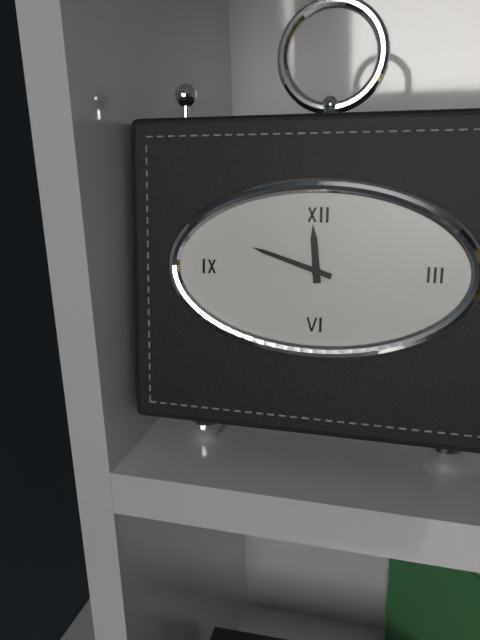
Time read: 11.48
